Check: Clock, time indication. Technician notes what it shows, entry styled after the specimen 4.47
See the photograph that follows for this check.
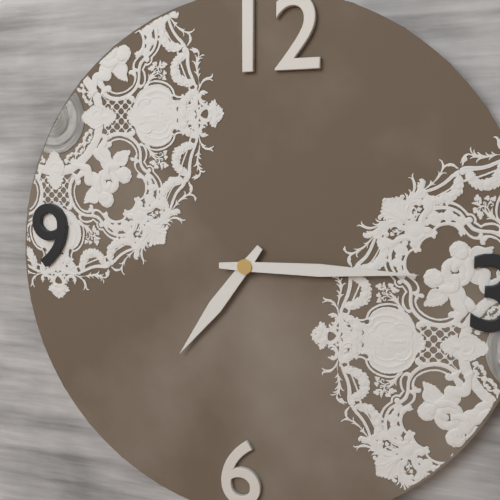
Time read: 7.15
